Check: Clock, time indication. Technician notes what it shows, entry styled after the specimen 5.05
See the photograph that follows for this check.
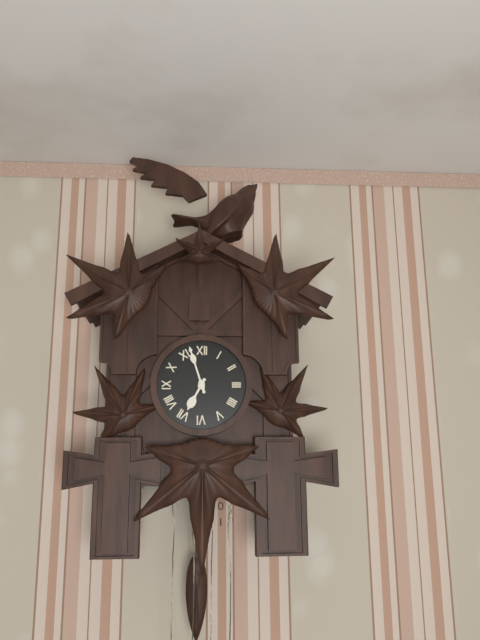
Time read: 6.57
